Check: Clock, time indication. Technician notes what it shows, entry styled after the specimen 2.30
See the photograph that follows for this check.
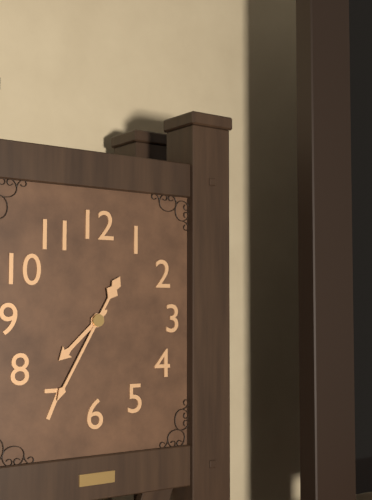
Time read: 7.35
